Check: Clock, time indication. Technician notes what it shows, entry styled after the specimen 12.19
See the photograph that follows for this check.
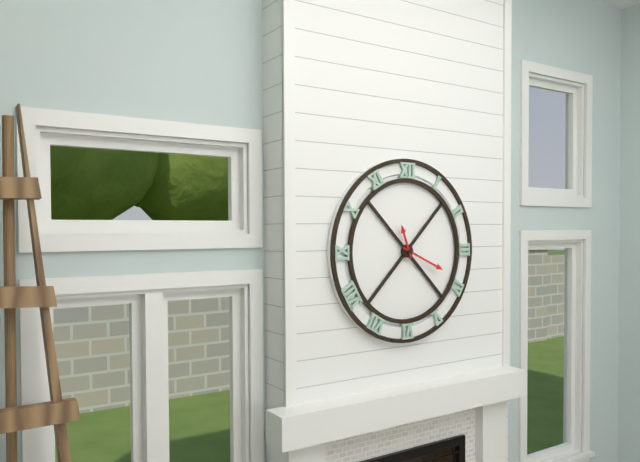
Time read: 11.19
